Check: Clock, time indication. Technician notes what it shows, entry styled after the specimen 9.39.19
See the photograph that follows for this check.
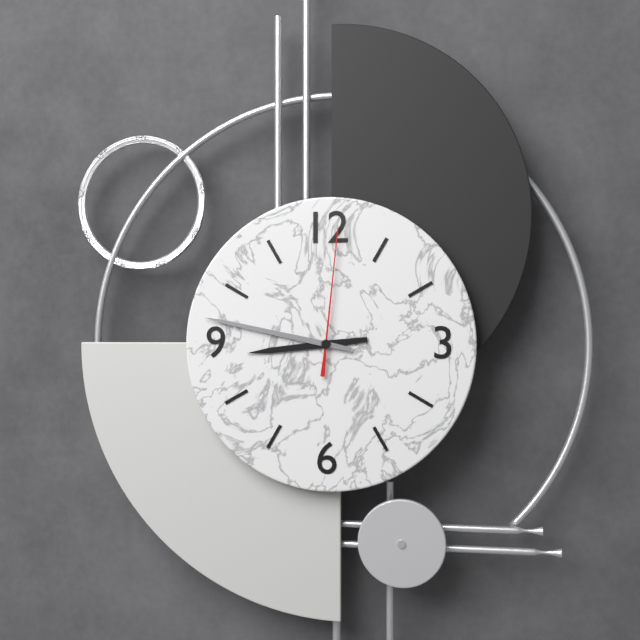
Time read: 8.47.01
